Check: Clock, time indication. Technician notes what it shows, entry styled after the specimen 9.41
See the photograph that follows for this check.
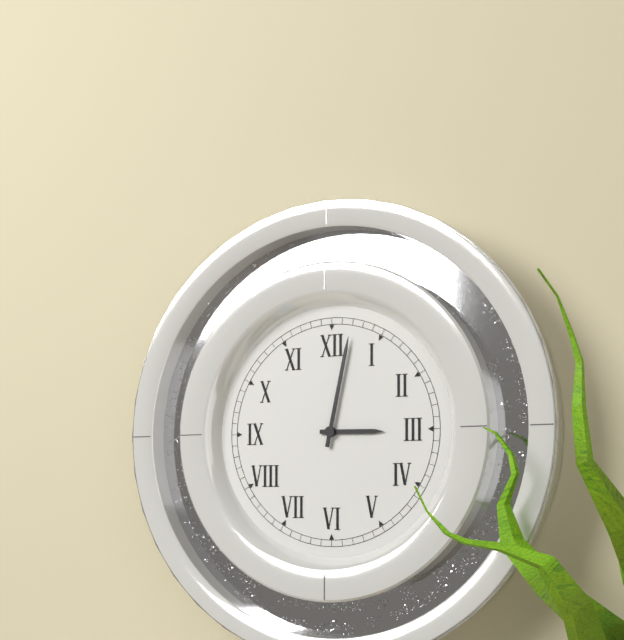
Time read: 3.02
